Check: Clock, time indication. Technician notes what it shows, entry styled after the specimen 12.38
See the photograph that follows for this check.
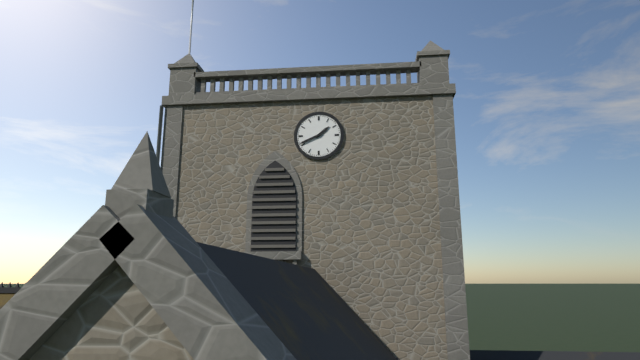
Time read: 1.41
